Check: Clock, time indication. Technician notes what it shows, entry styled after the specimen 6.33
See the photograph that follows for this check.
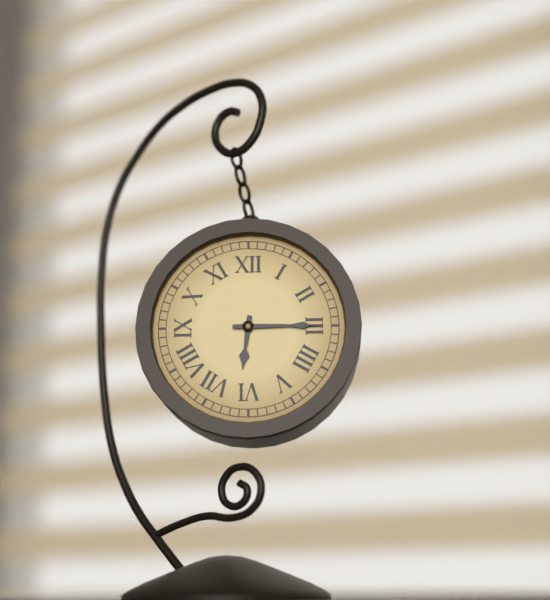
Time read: 6.15
